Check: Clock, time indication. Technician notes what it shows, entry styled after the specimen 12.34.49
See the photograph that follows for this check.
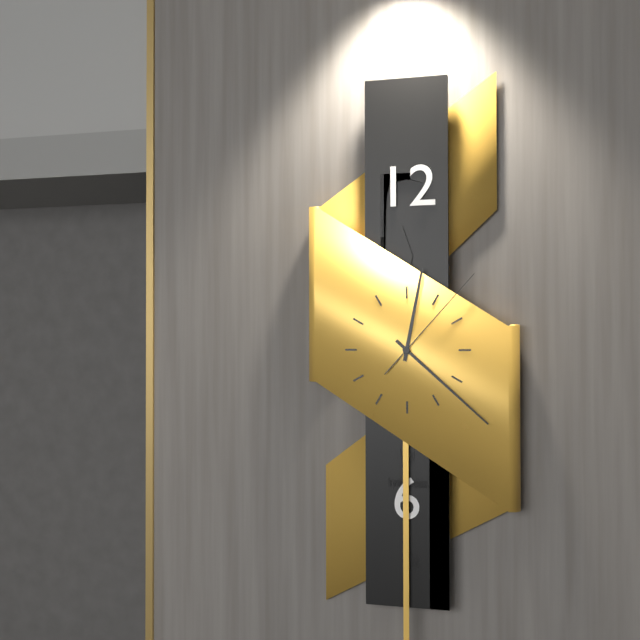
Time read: 12.22.07
